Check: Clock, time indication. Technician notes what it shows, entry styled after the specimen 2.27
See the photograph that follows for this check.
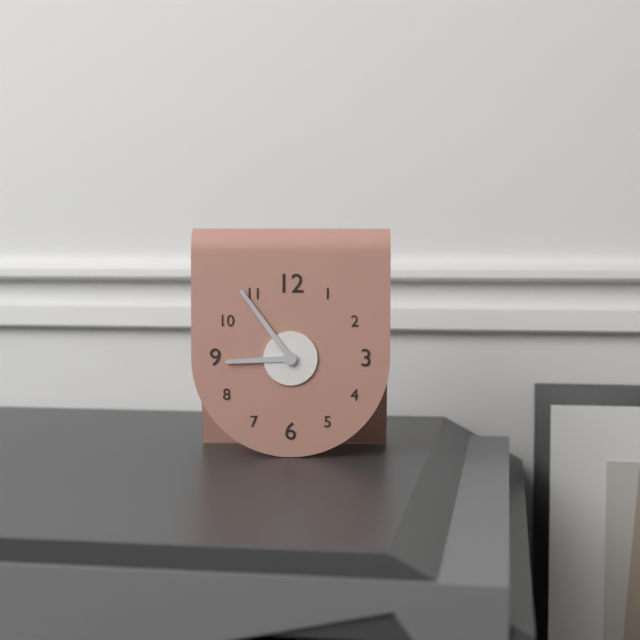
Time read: 8.54
